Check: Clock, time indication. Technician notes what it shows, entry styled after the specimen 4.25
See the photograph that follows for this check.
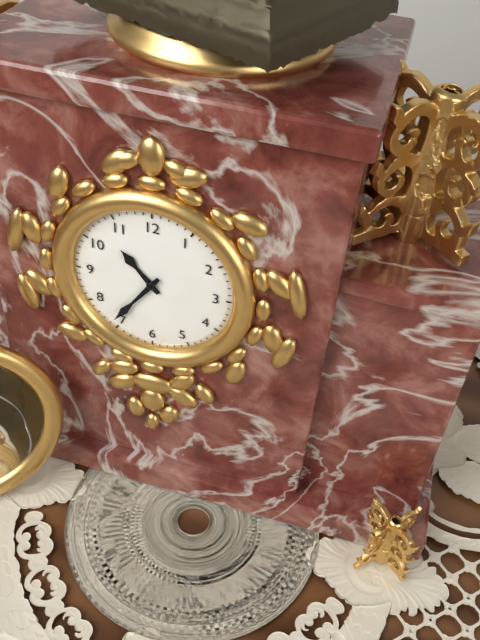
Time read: 10.36
